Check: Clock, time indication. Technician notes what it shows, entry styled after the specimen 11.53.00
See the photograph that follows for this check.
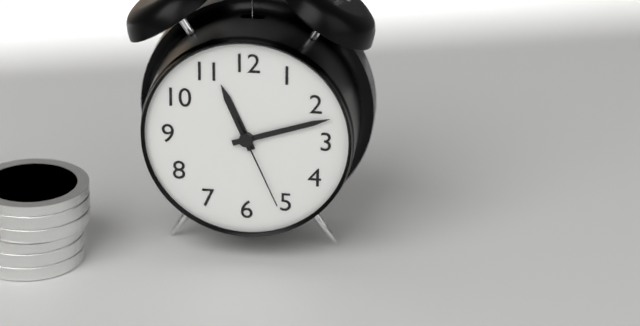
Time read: 11.12.26
